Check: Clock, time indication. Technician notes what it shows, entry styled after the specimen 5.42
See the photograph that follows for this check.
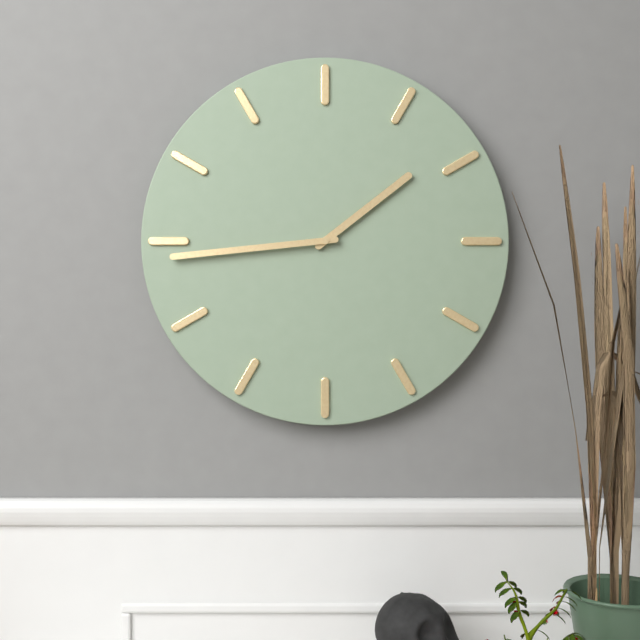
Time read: 1.44
